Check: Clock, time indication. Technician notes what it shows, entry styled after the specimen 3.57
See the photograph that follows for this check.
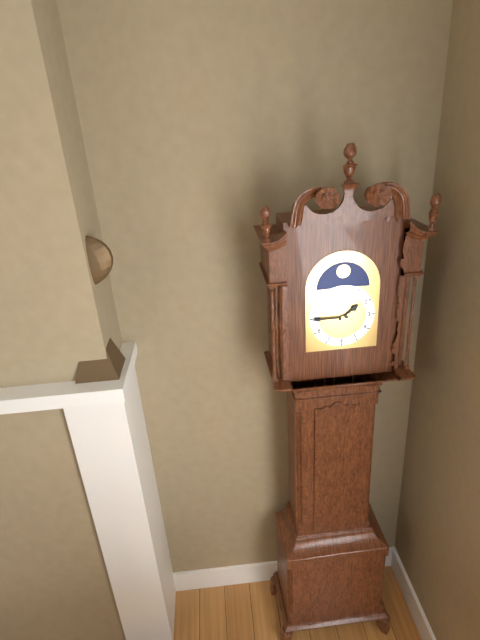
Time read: 1.45
